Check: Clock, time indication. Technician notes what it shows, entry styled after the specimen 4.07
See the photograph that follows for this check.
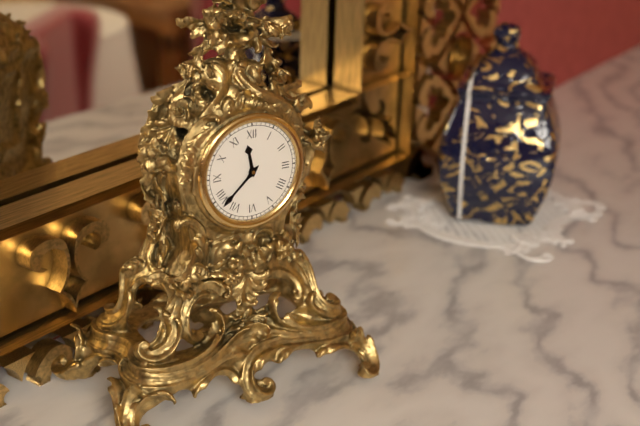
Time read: 11.38
